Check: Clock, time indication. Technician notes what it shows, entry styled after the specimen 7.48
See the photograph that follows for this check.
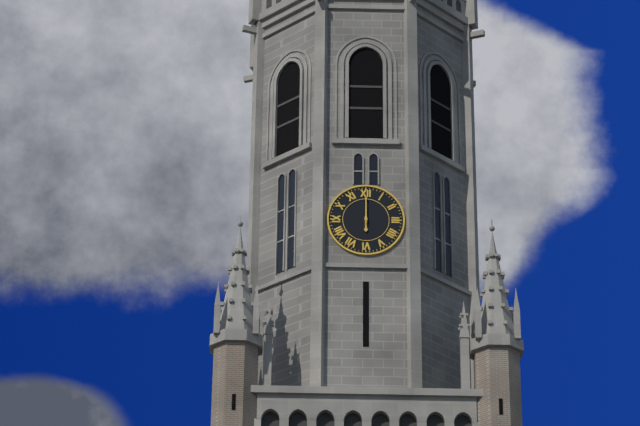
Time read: 6.00
